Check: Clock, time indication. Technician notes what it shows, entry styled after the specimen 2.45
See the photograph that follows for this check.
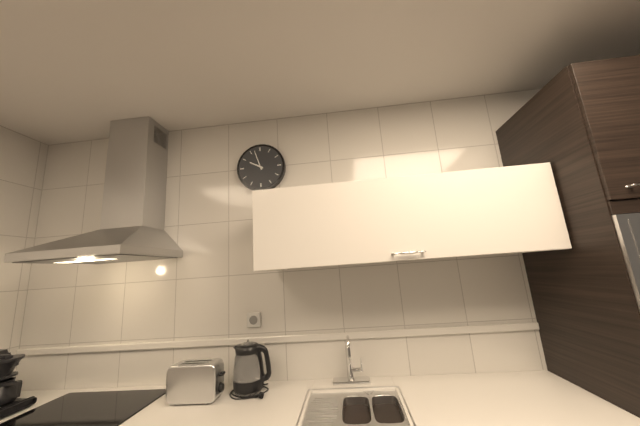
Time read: 9.57
